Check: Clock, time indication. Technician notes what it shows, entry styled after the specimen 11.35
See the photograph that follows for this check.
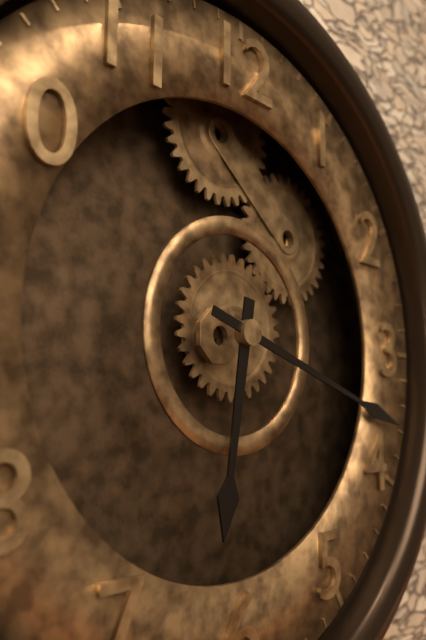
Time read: 6.18
